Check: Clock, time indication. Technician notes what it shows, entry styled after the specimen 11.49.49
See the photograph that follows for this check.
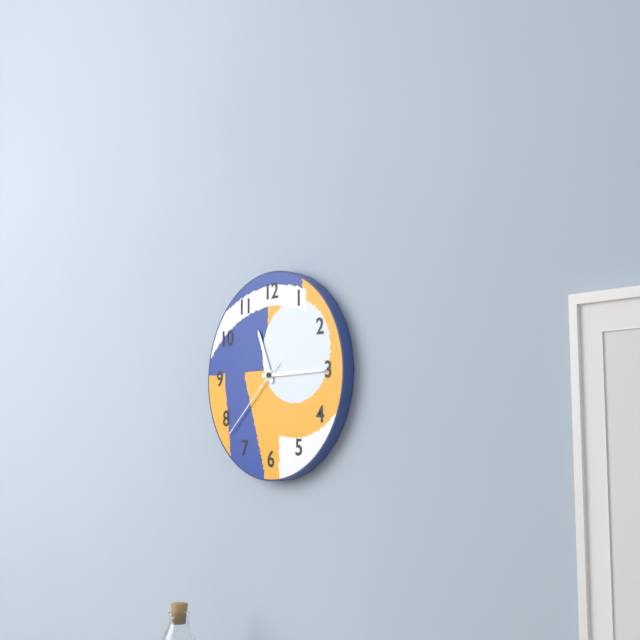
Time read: 11.15.38
